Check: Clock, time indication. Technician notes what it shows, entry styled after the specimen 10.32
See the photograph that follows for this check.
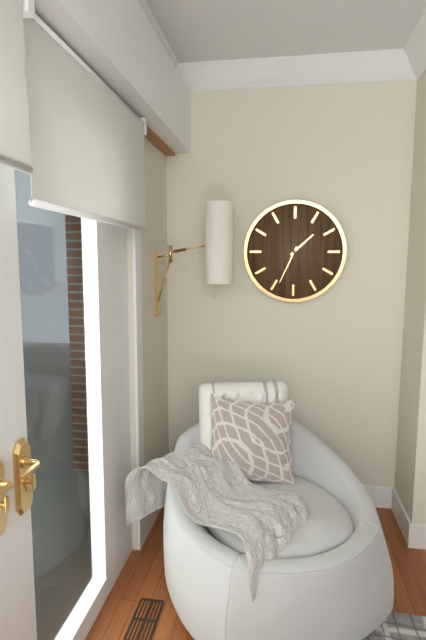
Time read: 1.34
